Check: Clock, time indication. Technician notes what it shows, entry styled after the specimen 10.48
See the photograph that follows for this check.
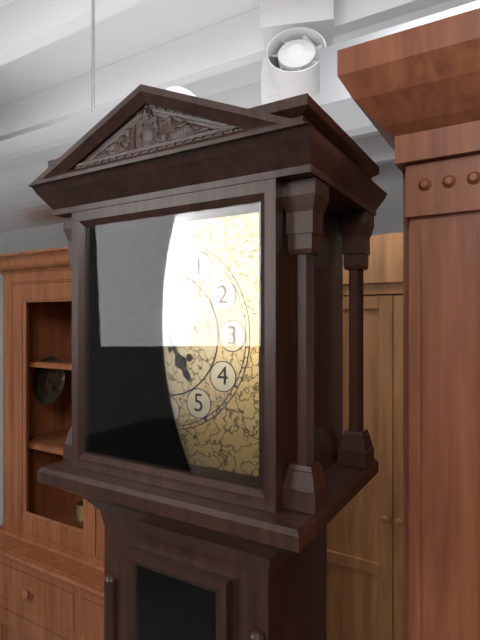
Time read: 4.57
